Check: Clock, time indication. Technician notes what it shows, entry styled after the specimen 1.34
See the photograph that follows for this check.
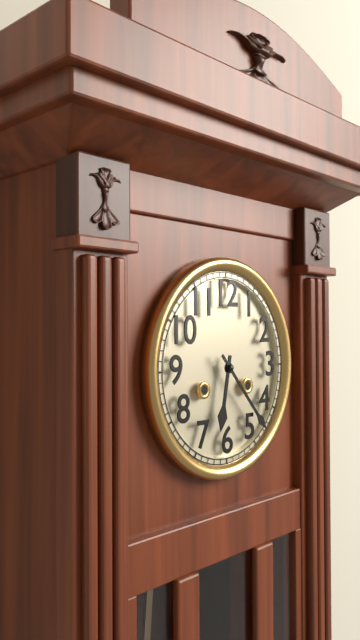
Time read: 6.23
